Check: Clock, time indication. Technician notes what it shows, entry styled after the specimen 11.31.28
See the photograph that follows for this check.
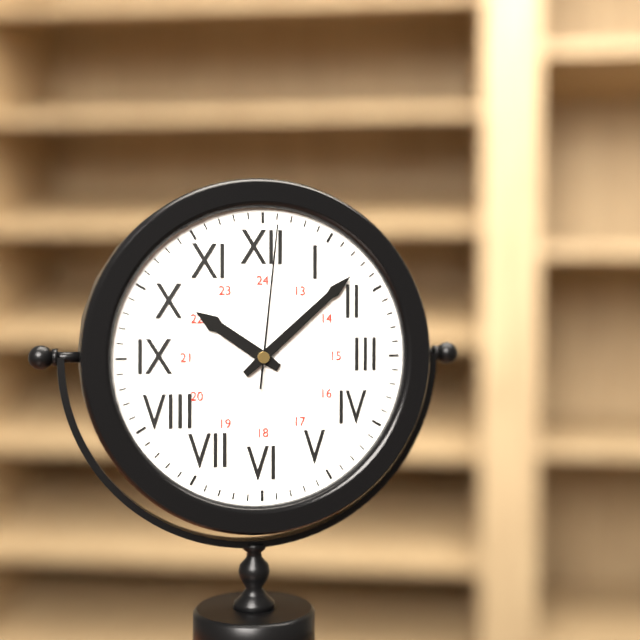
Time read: 10.08.01
